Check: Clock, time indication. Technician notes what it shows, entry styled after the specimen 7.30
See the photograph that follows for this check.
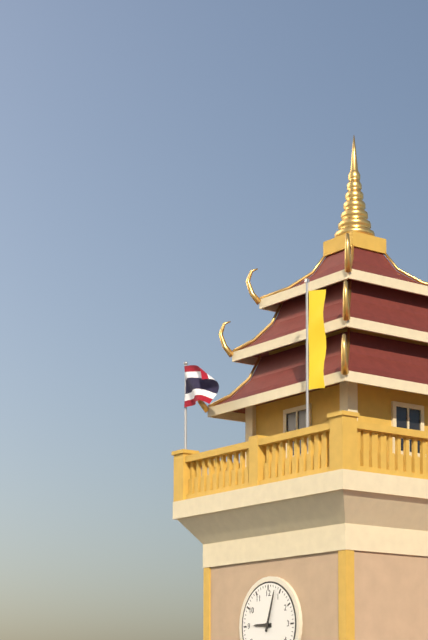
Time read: 9.03
